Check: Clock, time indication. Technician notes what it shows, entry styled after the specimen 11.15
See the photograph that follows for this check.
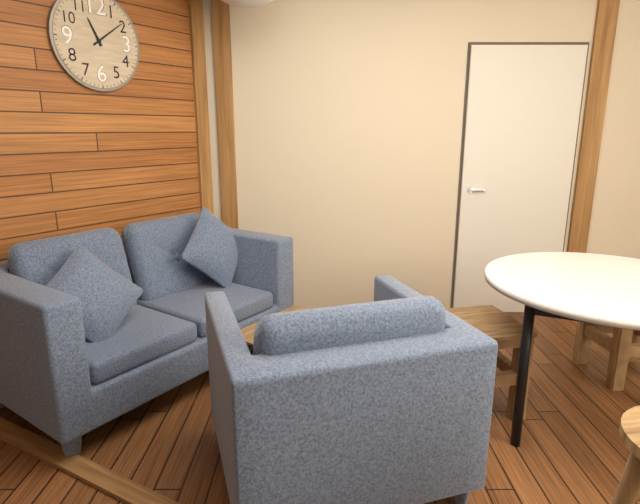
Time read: 11.09
